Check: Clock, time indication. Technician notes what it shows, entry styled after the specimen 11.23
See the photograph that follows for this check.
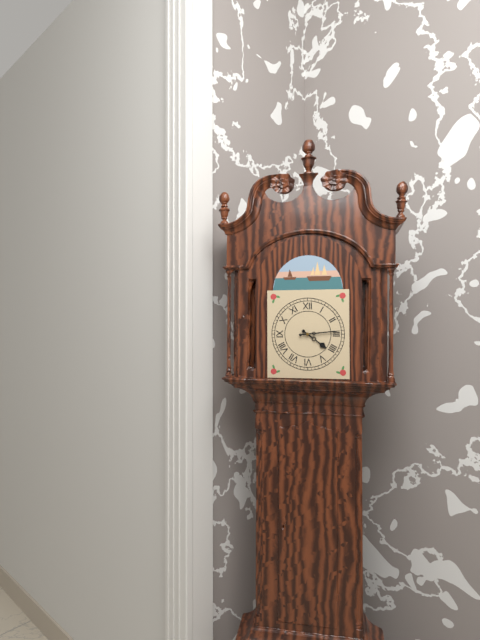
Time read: 4.14
